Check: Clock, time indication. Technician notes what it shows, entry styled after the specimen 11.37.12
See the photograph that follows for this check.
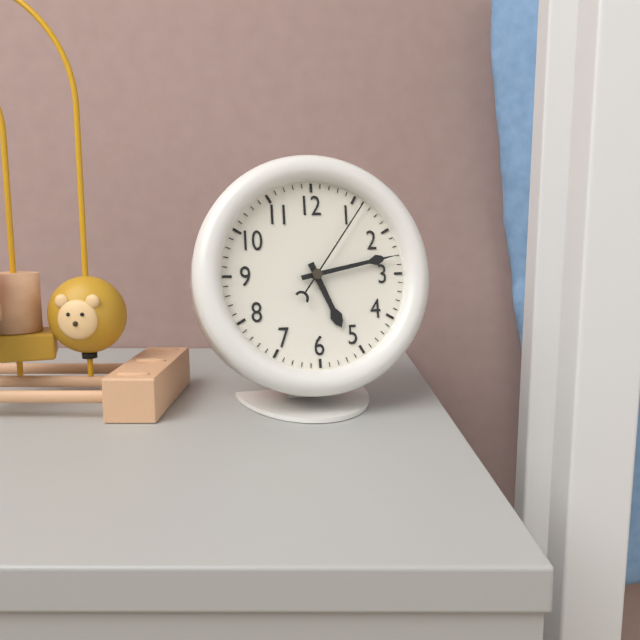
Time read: 5.13.06
